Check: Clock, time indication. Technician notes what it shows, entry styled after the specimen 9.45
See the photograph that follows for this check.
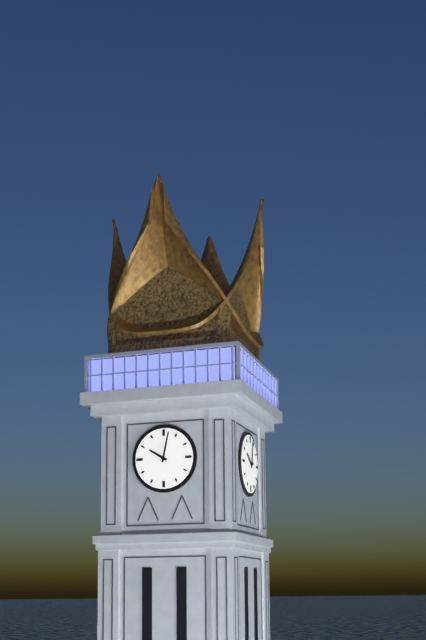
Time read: 10.02
